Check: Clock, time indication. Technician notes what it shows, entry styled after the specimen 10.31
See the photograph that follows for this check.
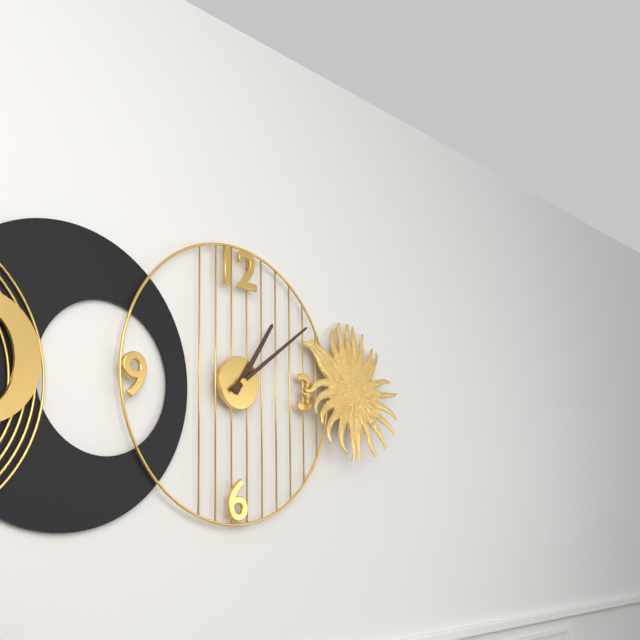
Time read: 1.09
